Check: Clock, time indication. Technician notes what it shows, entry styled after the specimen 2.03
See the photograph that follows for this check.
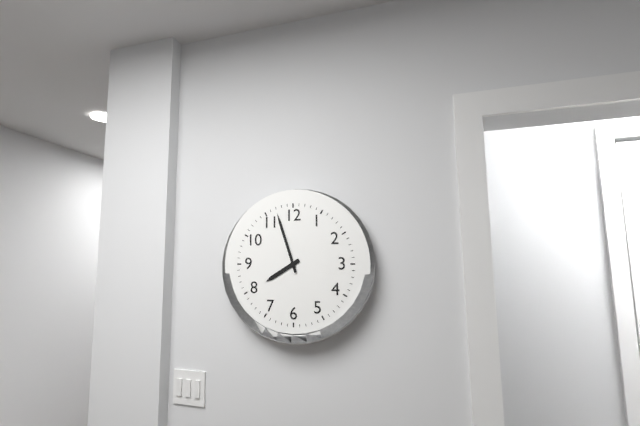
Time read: 7.57
